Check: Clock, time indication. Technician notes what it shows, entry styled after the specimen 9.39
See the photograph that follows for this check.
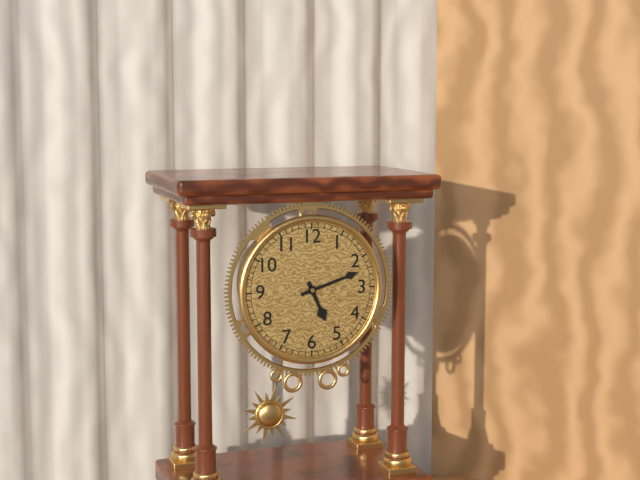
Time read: 5.12
